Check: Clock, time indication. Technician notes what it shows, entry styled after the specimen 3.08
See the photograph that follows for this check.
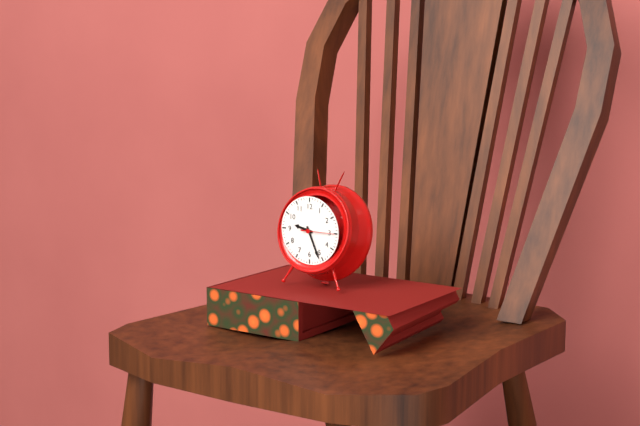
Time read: 9.26
